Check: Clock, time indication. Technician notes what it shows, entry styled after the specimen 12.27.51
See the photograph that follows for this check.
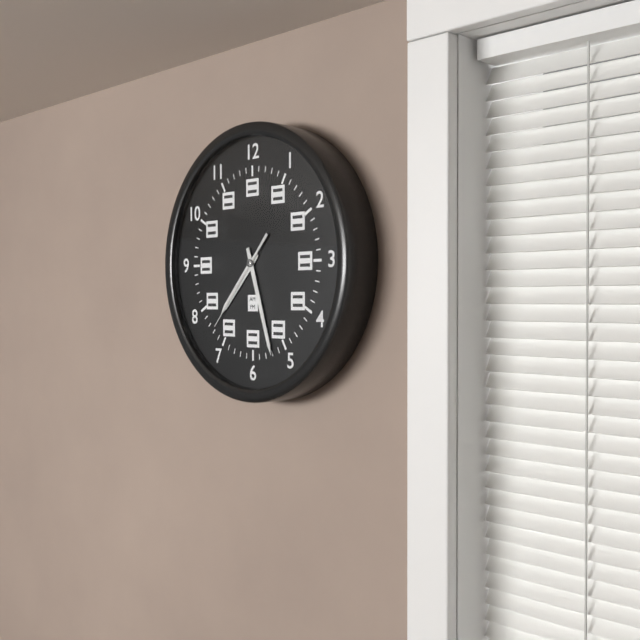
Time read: 7.27.37
